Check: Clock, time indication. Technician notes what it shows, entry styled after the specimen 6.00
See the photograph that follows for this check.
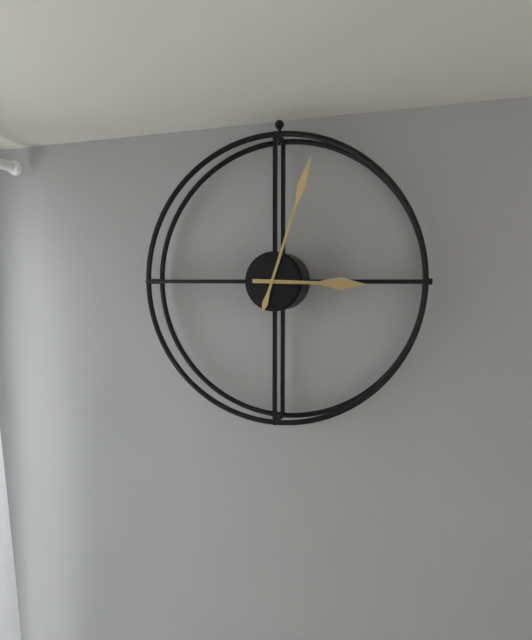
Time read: 3.03
